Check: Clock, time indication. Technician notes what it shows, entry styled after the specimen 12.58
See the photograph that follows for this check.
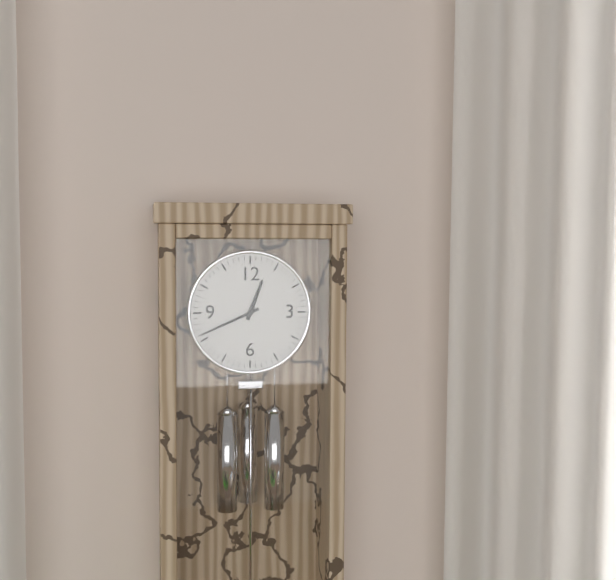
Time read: 12.41
